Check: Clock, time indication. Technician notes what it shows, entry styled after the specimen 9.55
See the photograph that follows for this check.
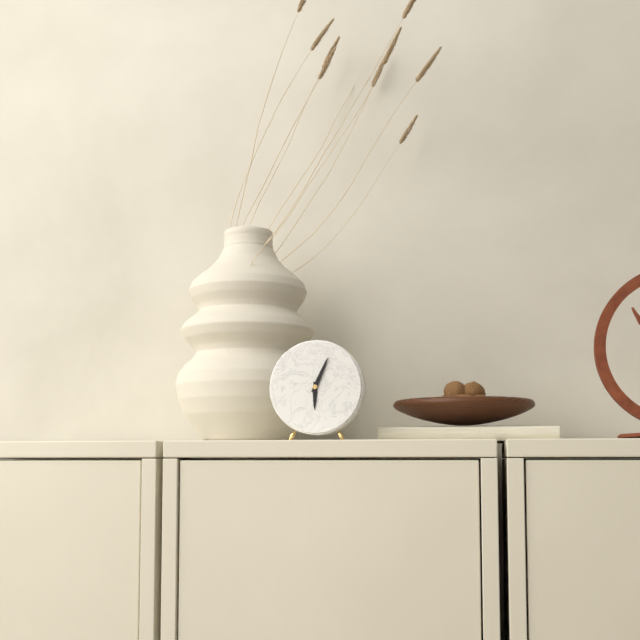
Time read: 6.04
